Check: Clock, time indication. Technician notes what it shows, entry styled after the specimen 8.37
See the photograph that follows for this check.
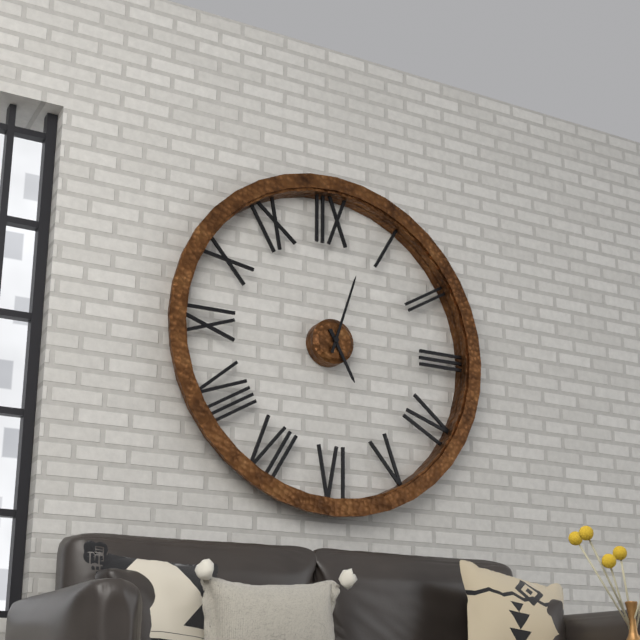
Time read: 5.03
